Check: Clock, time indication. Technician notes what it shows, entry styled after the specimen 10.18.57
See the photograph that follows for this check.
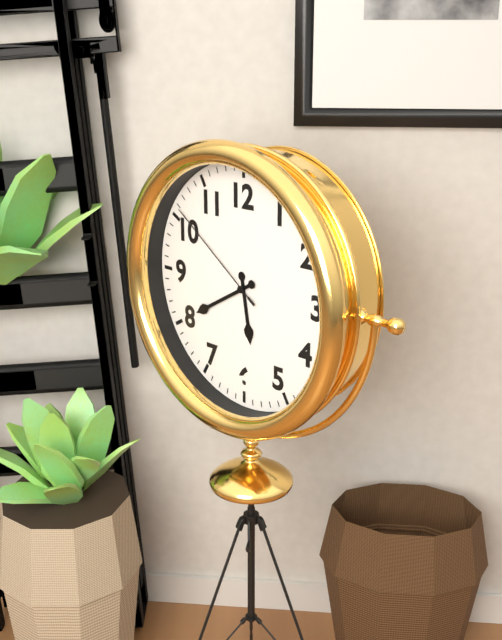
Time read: 5.40.51
